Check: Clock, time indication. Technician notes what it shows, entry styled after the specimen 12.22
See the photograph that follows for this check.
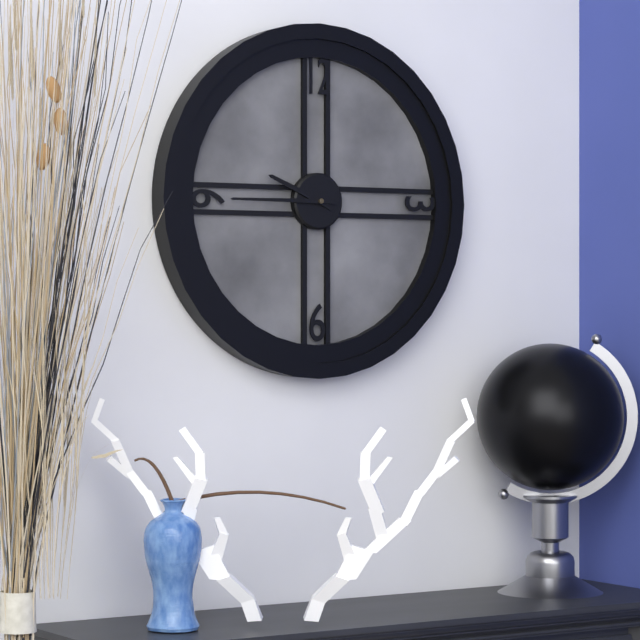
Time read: 9.45
